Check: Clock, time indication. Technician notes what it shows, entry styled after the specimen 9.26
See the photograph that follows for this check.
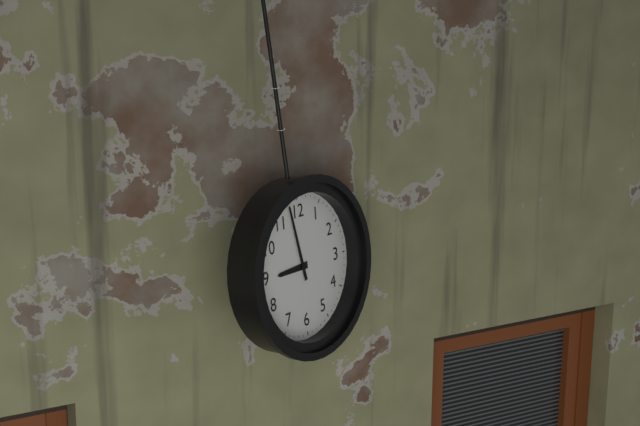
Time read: 8.58
